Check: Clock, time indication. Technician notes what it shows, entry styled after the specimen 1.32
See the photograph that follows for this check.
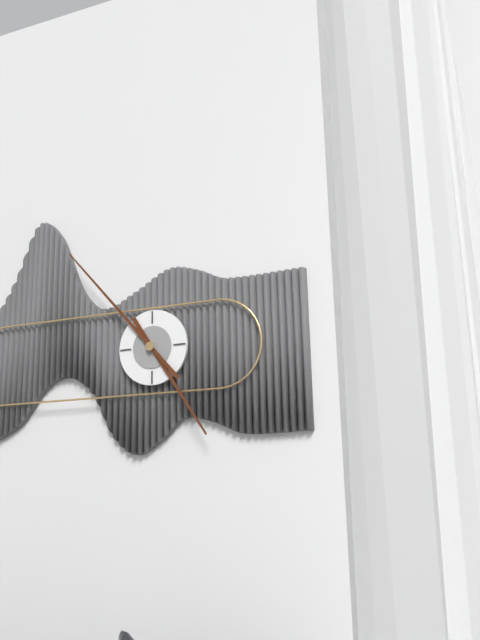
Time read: 4.53
